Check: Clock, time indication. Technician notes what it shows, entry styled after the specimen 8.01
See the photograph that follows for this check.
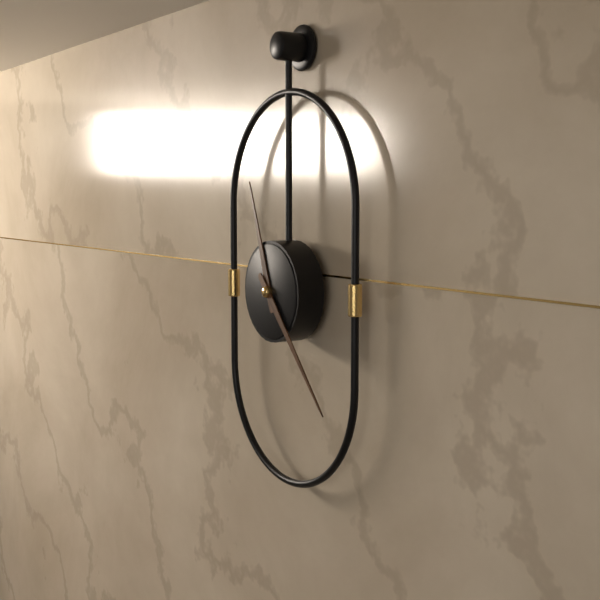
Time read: 11.23
